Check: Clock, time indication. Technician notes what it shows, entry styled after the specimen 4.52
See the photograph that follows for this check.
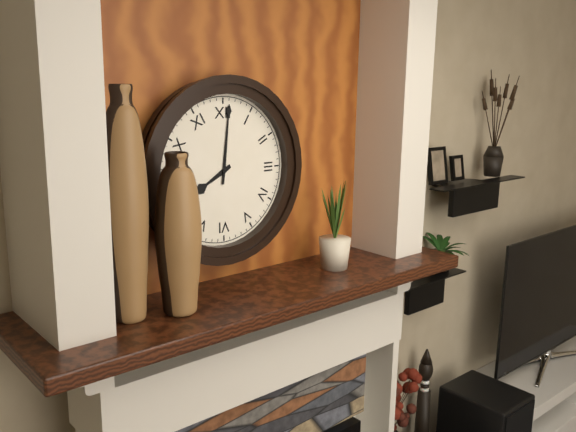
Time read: 8.01
